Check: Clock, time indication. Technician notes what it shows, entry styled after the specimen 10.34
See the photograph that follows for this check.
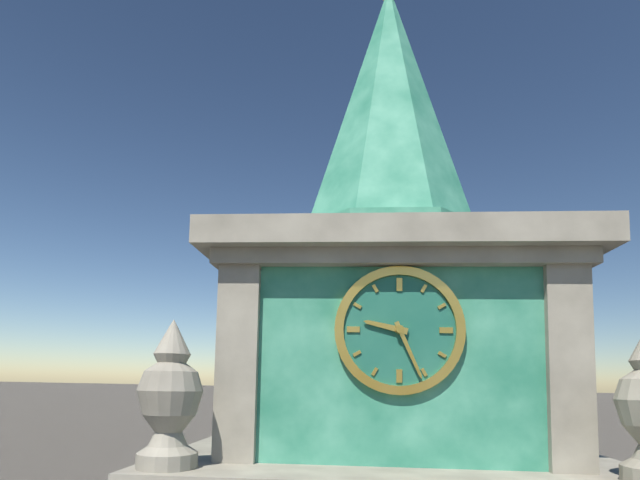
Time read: 9.26
